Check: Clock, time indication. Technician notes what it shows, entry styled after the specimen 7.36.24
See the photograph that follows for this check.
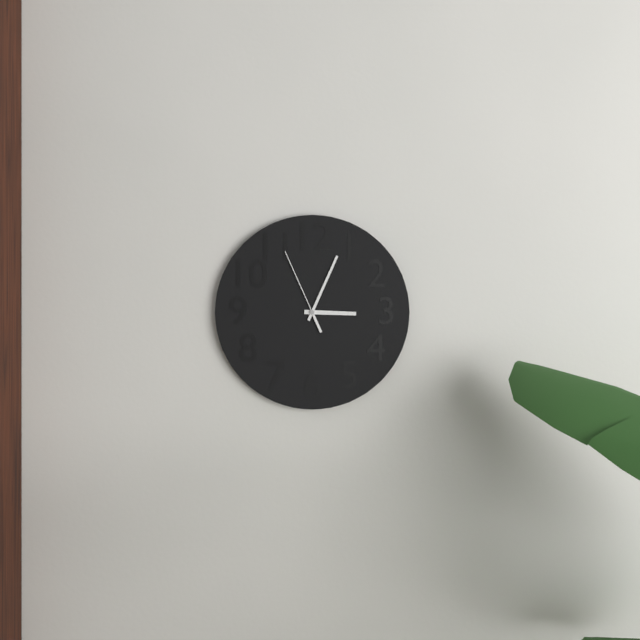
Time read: 3.04.56
